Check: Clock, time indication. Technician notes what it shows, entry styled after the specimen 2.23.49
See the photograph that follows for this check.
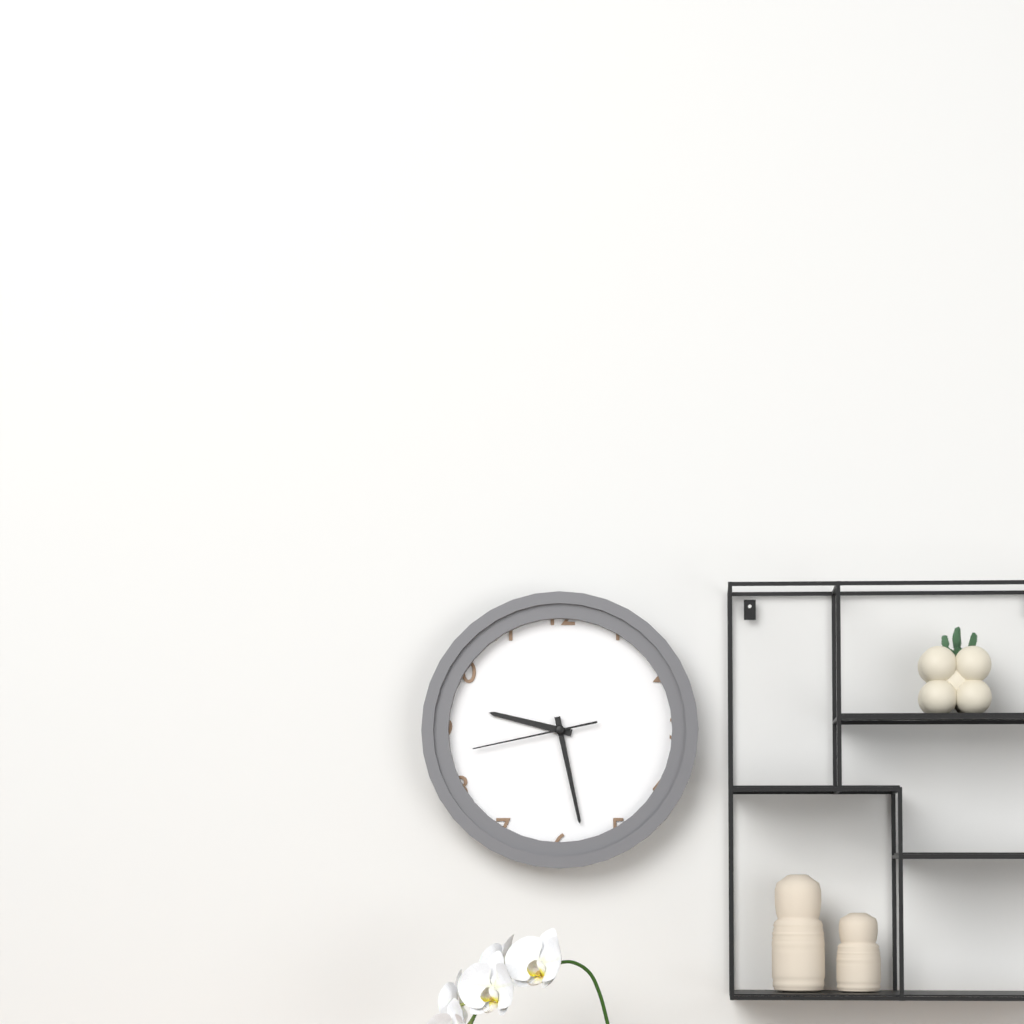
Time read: 9.28.43
